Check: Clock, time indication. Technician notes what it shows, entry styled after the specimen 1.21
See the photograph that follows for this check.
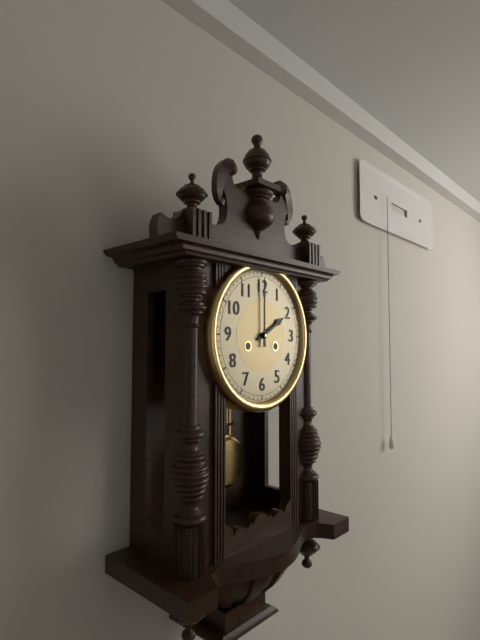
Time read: 2.00
